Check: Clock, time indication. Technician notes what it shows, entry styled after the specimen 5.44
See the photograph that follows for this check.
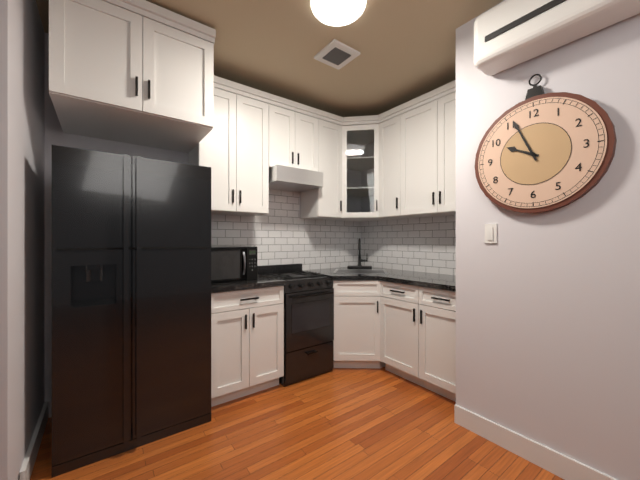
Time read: 9.56
